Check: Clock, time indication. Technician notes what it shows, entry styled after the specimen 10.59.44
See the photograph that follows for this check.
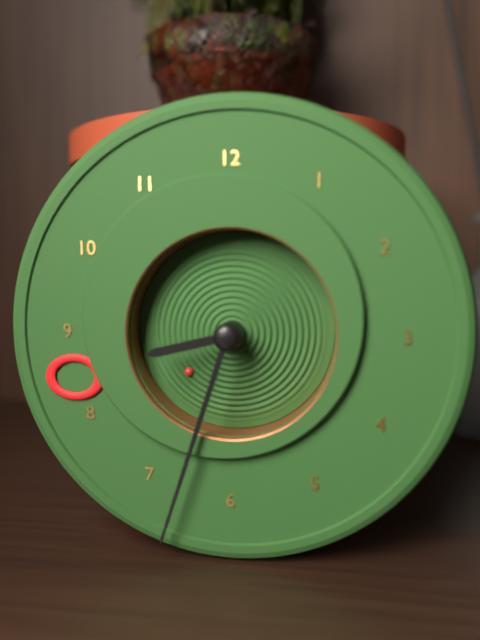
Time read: 8.33.38
